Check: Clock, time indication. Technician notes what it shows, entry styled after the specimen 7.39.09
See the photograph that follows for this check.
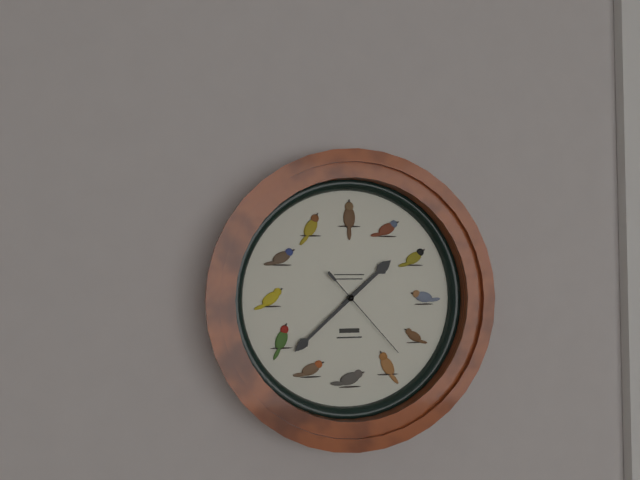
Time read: 1.38.23
